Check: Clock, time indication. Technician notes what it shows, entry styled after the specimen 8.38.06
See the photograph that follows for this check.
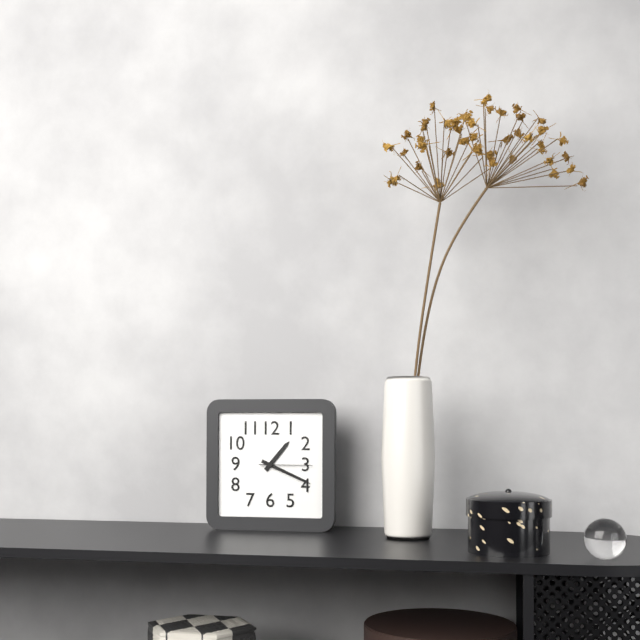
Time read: 1.19.15
